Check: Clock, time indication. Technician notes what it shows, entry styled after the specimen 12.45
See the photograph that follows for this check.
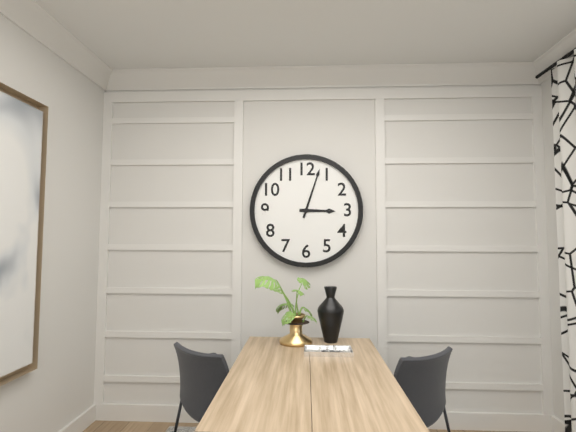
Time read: 3.03
